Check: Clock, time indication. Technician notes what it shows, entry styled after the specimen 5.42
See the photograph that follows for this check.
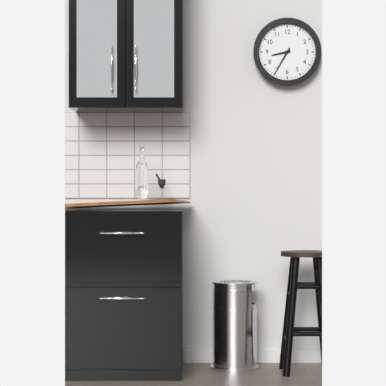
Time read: 8.35
